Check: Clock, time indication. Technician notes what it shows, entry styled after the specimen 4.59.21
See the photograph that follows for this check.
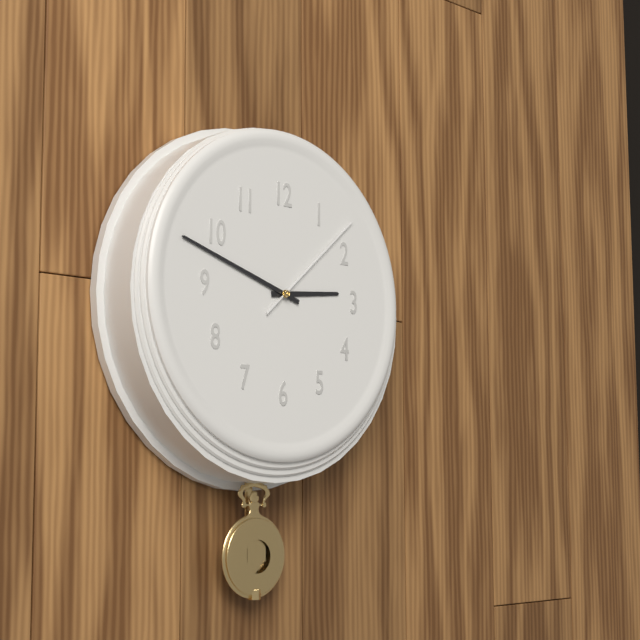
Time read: 2.48.08
